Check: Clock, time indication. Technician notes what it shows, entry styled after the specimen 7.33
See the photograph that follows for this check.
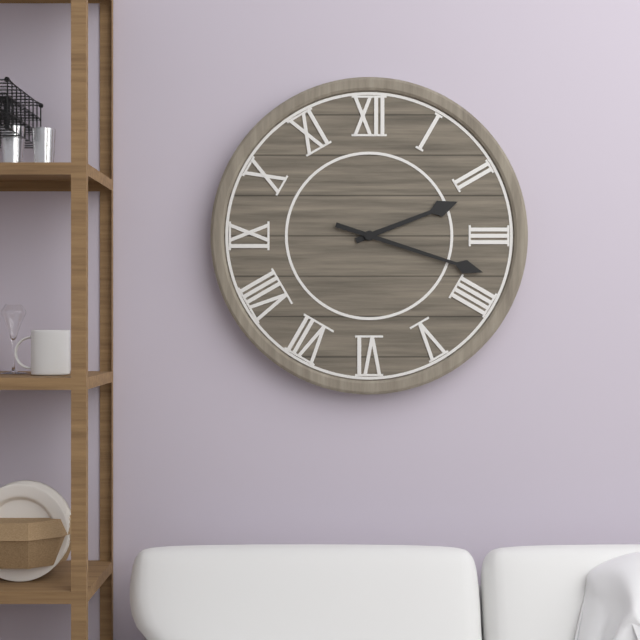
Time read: 2.18
